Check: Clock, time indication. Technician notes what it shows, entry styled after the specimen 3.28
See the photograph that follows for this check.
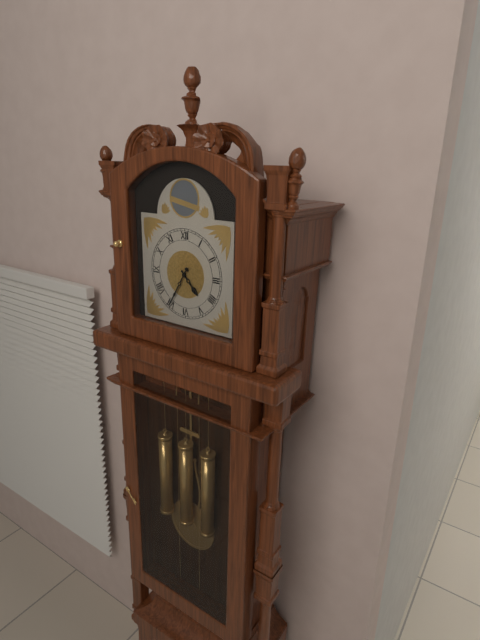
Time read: 4.35
